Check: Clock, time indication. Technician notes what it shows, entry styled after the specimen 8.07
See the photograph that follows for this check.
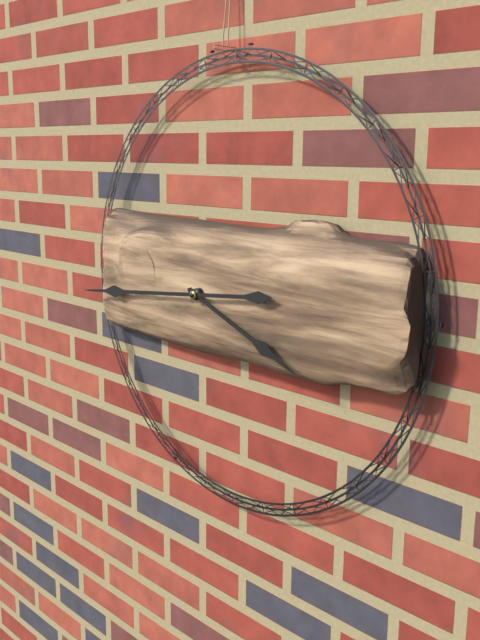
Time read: 3.44
